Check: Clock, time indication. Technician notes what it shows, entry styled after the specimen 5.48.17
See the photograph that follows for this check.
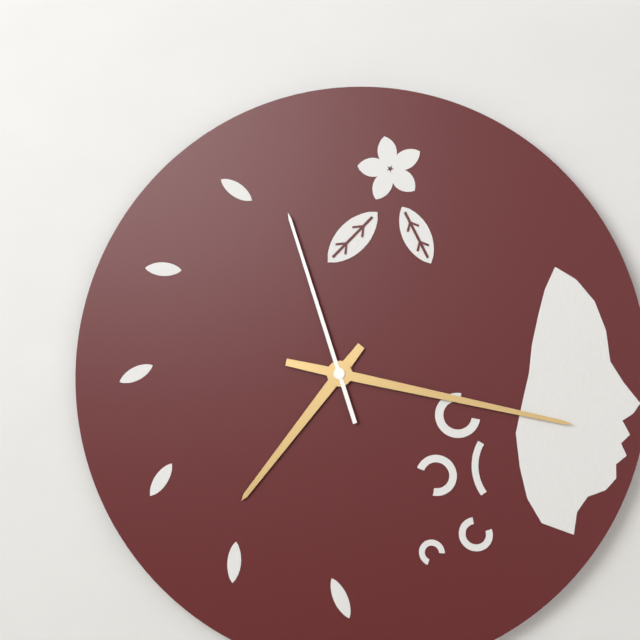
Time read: 7.17.57
